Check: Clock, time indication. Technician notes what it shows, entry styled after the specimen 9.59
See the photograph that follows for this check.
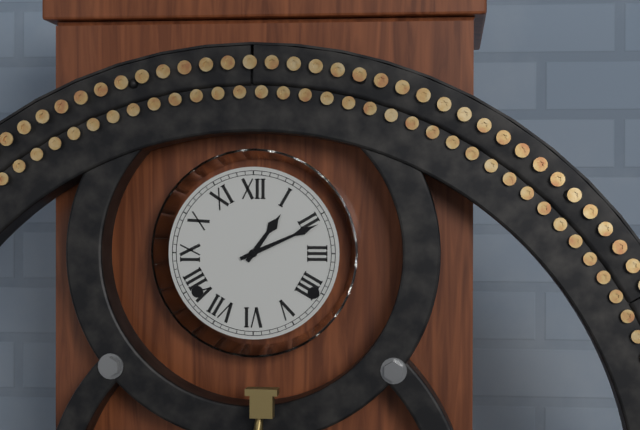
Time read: 1.11
